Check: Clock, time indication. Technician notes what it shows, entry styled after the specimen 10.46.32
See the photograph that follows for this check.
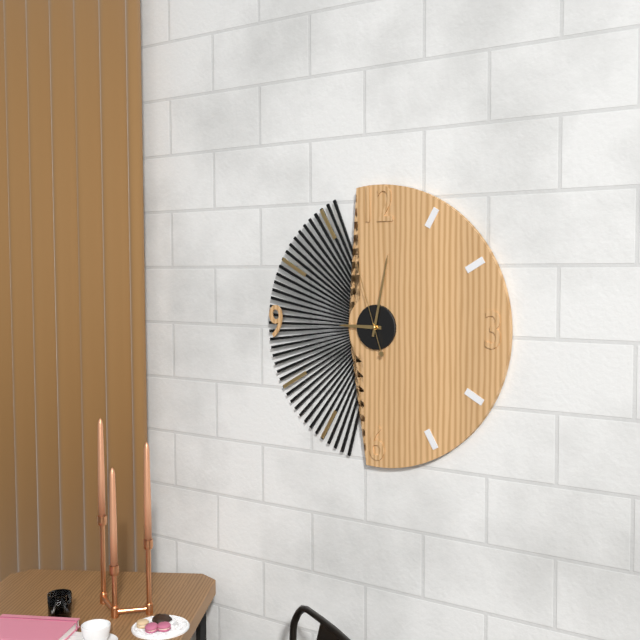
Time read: 9.02.57
